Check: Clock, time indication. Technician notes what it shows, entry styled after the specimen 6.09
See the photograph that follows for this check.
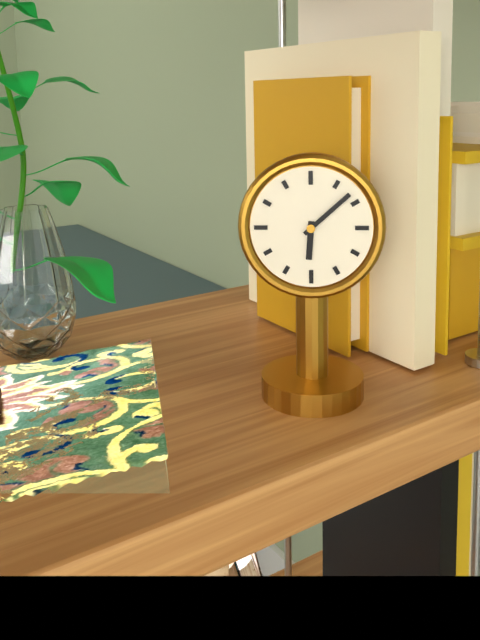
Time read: 6.08
